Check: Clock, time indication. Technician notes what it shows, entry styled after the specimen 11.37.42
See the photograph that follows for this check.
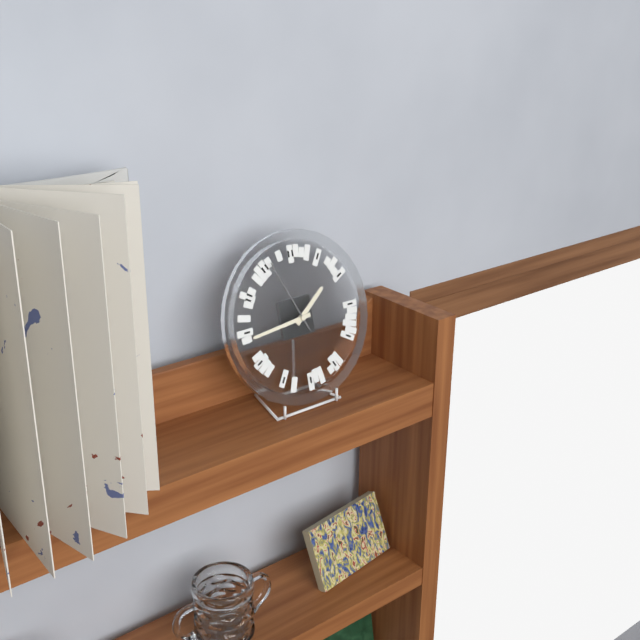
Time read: 1.44.56
